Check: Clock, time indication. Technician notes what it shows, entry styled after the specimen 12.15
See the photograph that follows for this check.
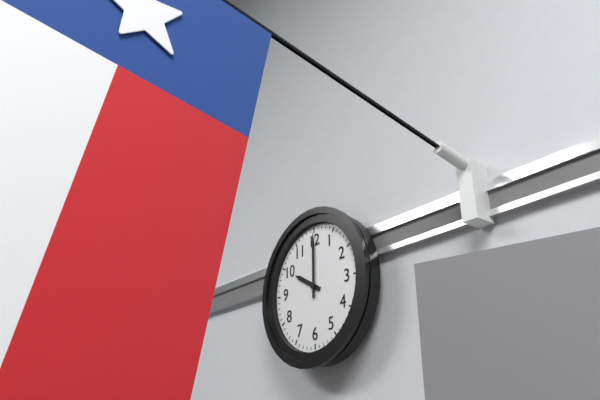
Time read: 10.00
